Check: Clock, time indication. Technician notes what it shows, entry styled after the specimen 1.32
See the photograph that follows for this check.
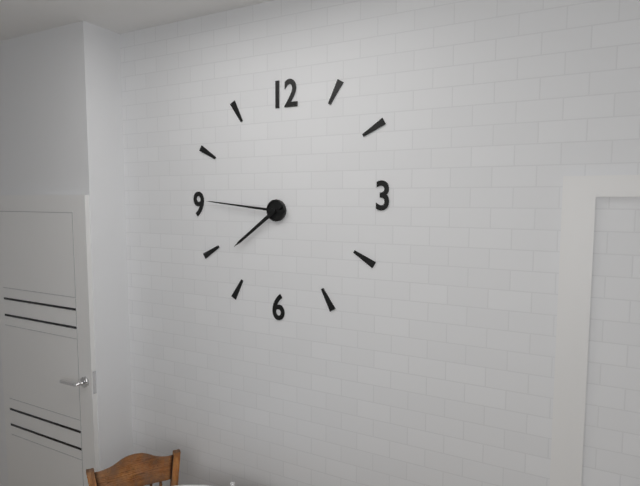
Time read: 7.46
